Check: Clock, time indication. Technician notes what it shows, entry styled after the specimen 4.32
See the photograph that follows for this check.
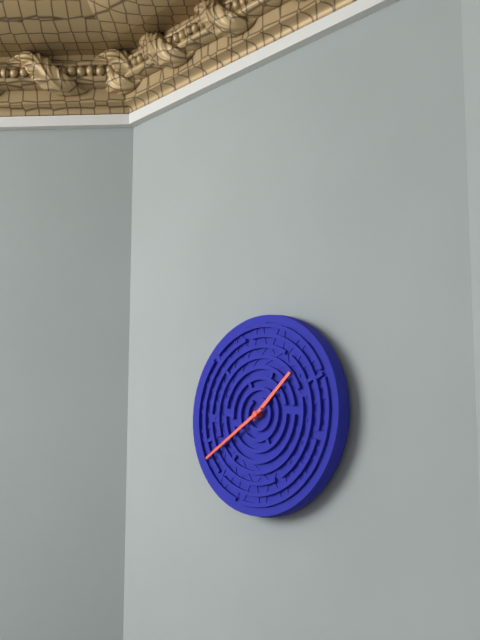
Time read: 1.40
